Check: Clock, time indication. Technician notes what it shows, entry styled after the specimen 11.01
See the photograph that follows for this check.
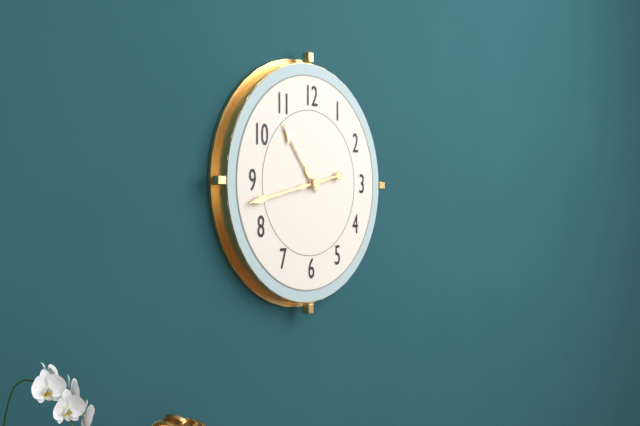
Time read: 10.43
